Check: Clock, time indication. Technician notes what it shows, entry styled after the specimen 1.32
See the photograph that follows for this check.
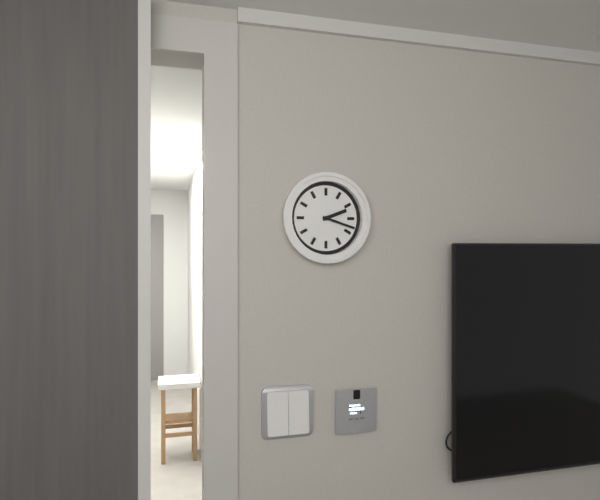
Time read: 2.18
